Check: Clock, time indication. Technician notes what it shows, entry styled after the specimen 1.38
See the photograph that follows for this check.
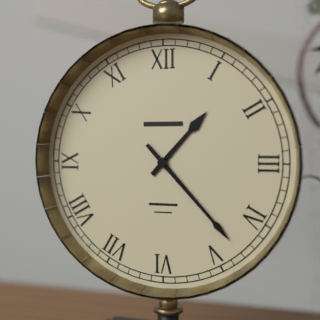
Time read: 1.23
